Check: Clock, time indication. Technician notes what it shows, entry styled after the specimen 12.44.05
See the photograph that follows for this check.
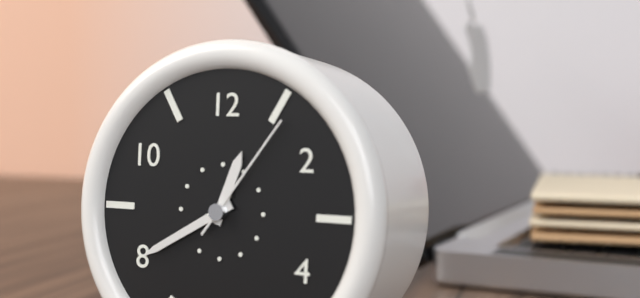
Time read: 12.40.06
